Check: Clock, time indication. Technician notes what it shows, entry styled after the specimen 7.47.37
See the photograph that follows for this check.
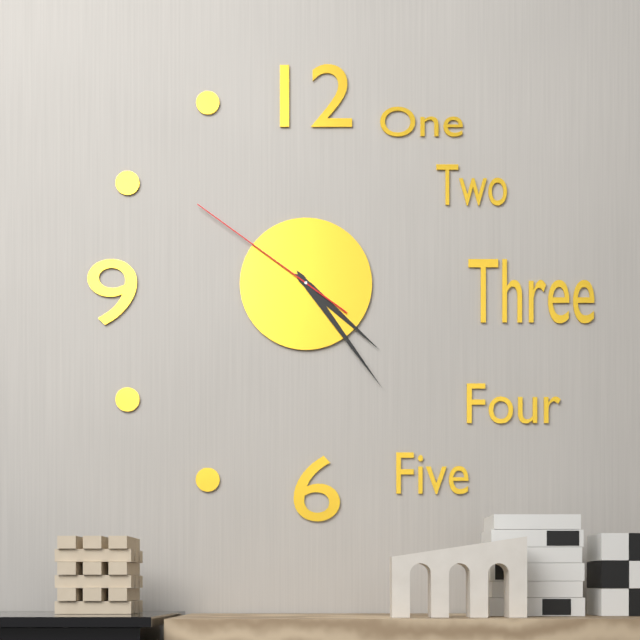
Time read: 4.24.51
